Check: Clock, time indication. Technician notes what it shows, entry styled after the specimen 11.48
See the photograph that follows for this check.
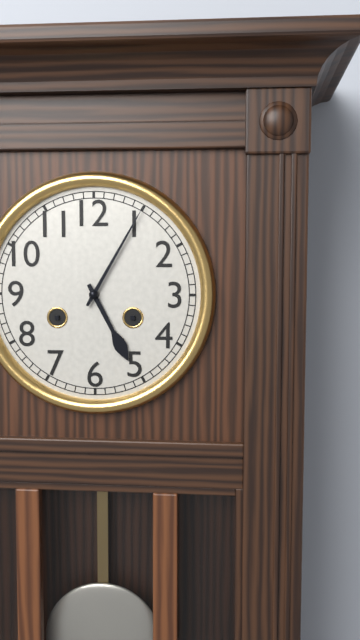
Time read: 5.05
